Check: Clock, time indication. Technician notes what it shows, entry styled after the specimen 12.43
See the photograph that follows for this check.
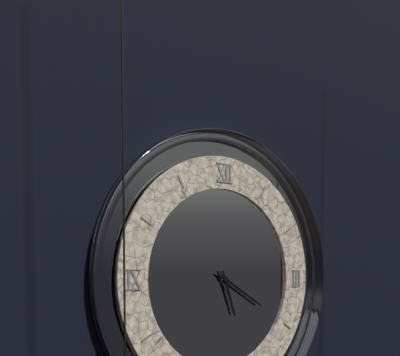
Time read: 5.20
